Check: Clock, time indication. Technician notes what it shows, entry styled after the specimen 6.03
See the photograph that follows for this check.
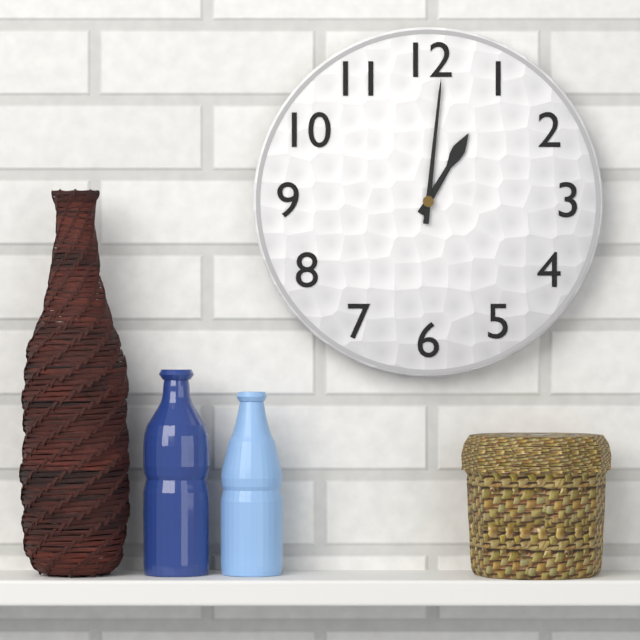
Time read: 1.01
